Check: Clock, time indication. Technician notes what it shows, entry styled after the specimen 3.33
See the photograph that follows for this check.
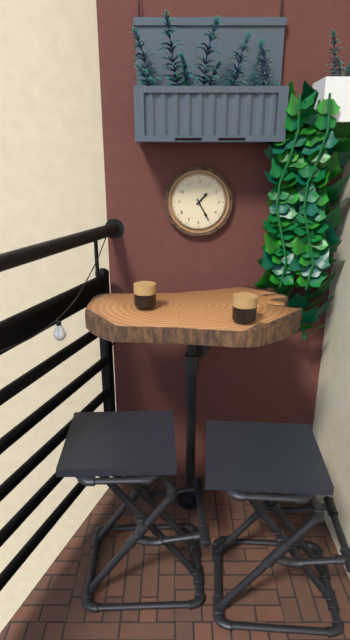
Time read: 1.25
